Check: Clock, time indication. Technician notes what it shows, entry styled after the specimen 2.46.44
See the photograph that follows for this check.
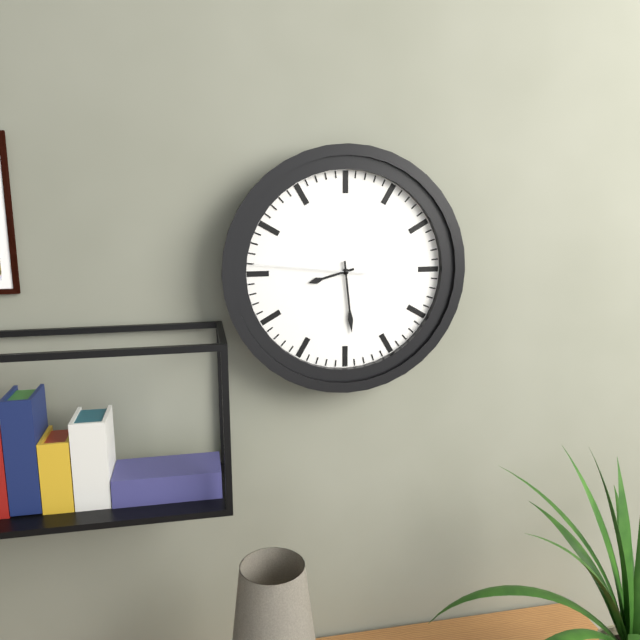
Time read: 8.29.46
